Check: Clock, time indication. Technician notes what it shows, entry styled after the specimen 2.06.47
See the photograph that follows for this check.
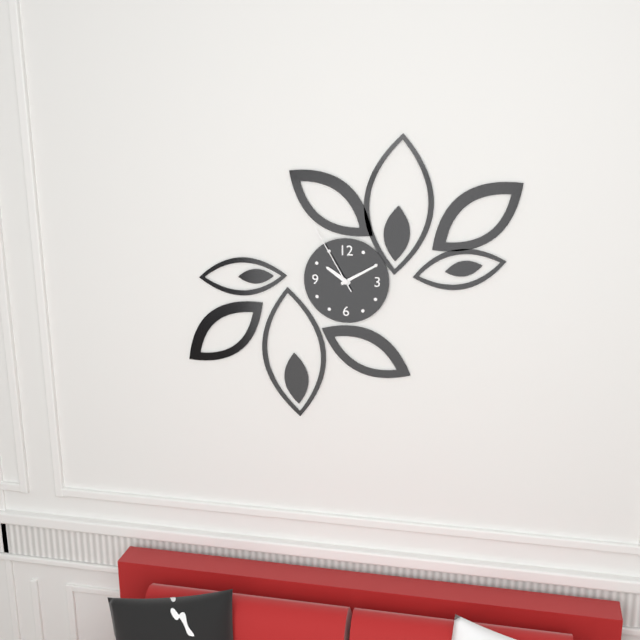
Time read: 10.10.55
